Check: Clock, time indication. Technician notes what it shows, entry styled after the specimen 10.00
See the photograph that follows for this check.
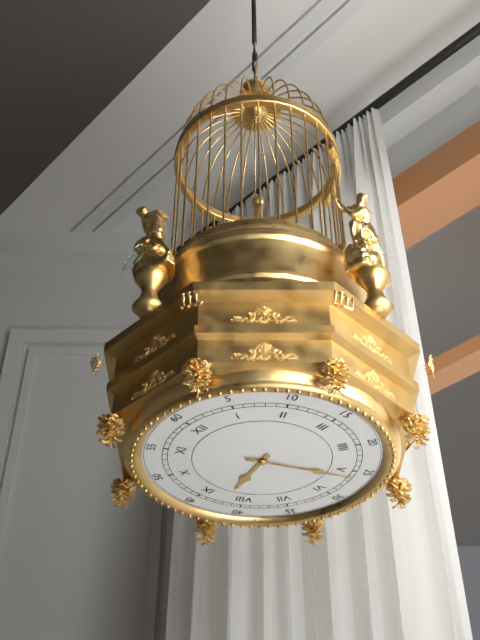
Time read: 8.26
